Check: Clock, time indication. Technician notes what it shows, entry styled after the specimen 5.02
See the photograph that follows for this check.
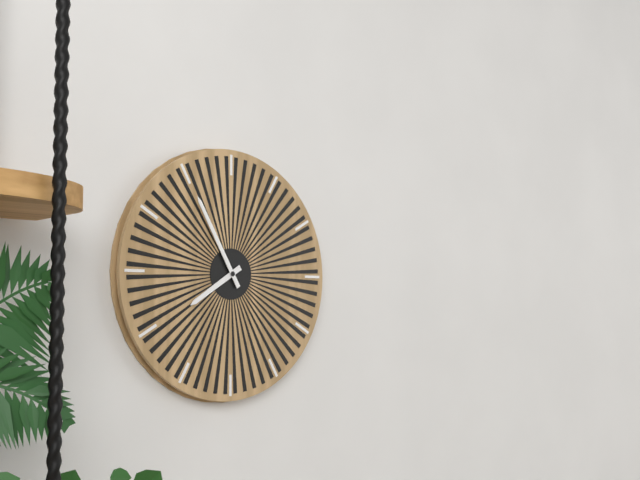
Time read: 7.55
